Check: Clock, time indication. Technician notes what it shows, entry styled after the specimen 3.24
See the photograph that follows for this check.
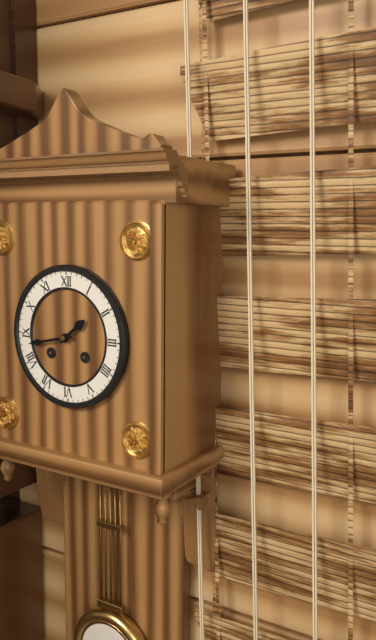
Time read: 1.43
